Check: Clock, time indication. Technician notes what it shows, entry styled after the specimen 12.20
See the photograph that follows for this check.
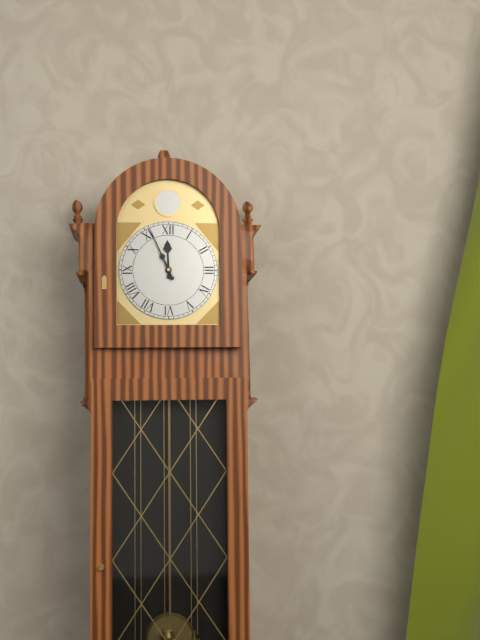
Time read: 11.56
